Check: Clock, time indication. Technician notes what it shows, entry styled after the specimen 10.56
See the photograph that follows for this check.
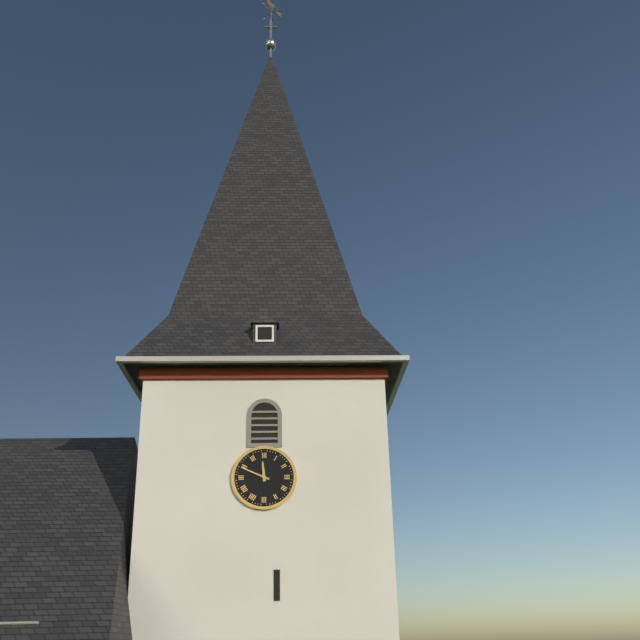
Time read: 11.49
